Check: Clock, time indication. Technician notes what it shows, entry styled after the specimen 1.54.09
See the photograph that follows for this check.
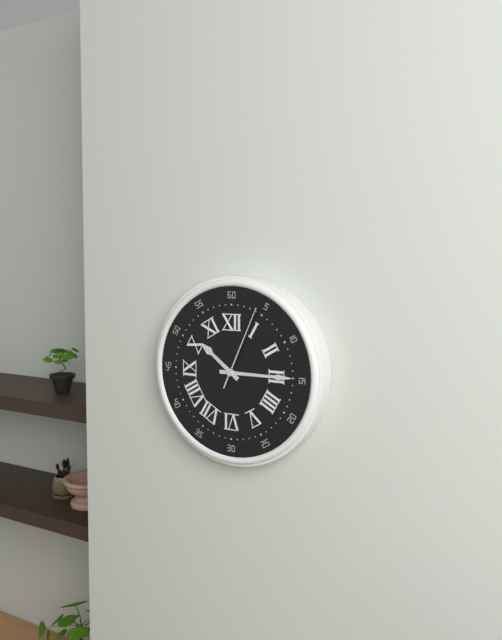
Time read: 10.15.04
